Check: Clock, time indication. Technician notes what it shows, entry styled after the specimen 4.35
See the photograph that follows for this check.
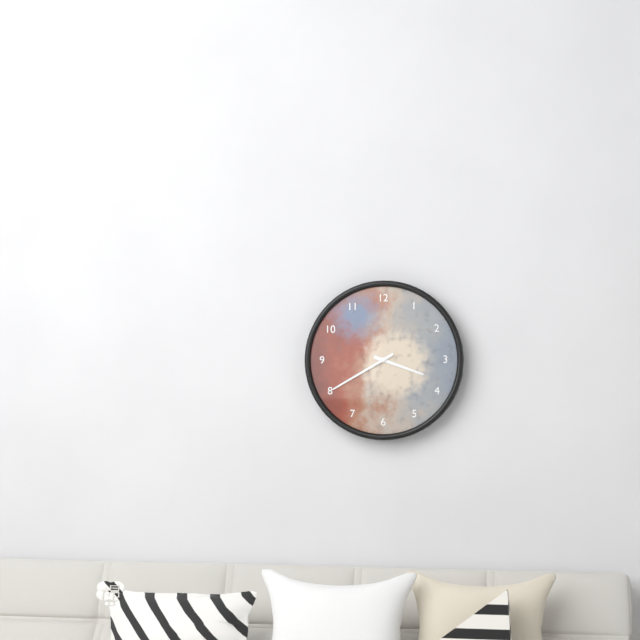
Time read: 3.40
